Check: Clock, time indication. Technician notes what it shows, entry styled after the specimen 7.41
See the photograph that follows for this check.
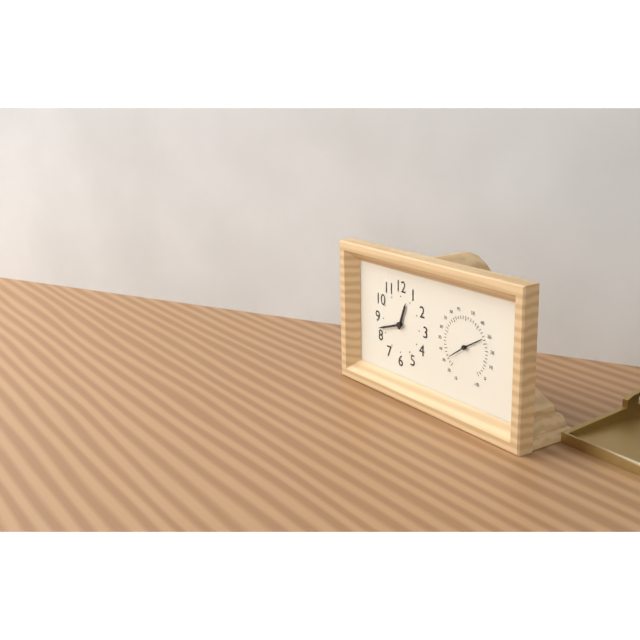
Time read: 12.42
